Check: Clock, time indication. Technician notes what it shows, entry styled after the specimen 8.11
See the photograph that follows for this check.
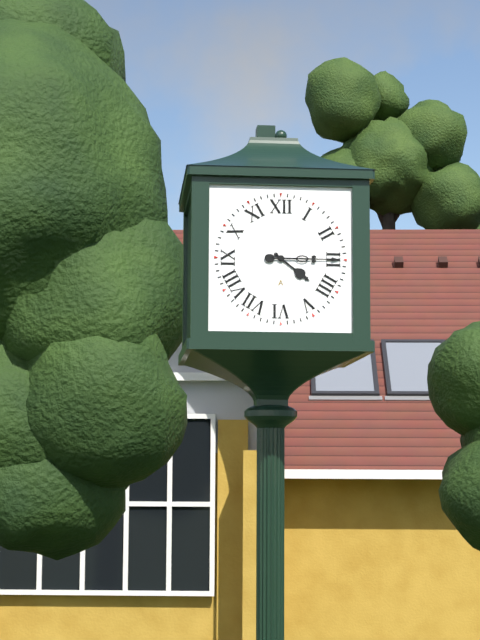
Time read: 4.15
